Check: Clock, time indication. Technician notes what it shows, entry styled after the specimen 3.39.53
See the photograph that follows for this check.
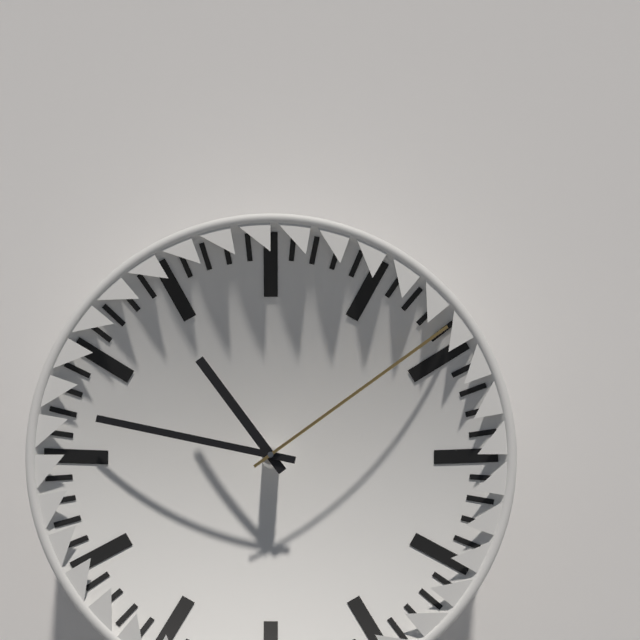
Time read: 10.47.09
